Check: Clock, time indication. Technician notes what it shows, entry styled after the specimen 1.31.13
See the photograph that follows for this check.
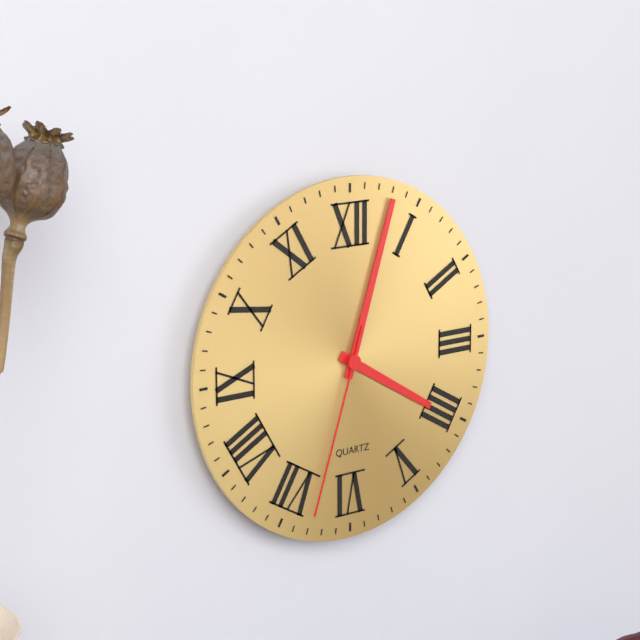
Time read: 4.03.33
